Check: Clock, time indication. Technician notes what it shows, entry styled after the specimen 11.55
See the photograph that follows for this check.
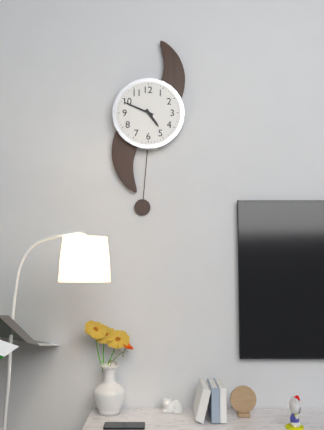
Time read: 4.49
